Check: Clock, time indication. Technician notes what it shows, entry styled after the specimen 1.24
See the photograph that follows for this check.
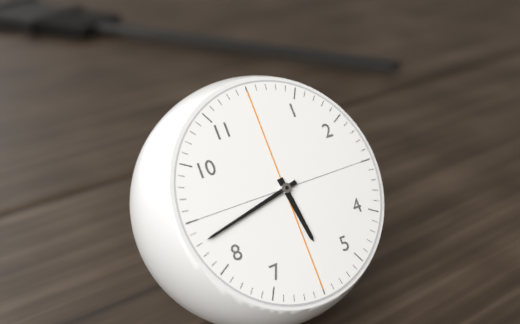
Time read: 5.43
